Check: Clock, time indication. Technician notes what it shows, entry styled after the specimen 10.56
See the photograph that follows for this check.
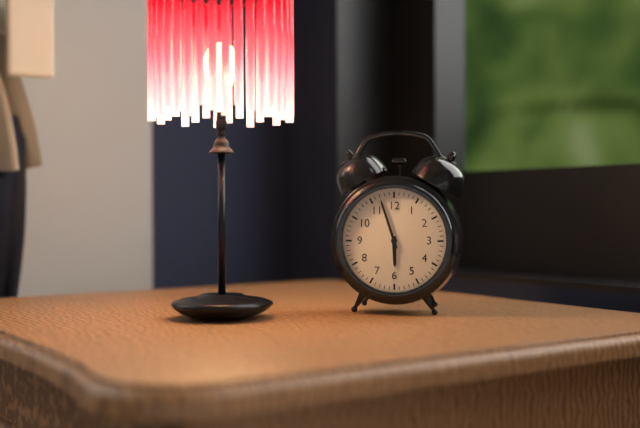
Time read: 5.57
